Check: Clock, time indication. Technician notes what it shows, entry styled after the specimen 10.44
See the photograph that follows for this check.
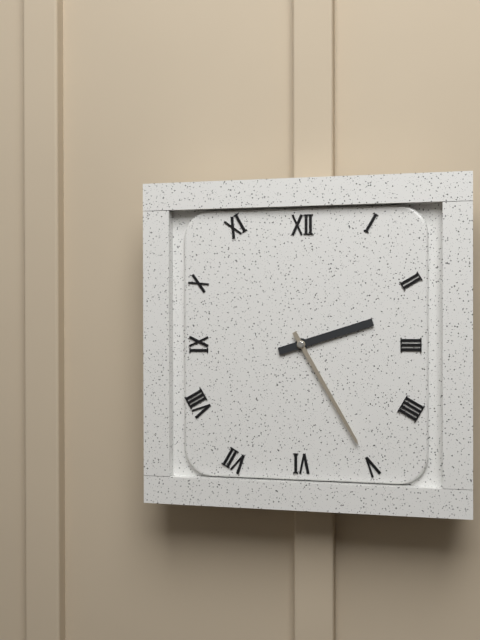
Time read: 2.25
